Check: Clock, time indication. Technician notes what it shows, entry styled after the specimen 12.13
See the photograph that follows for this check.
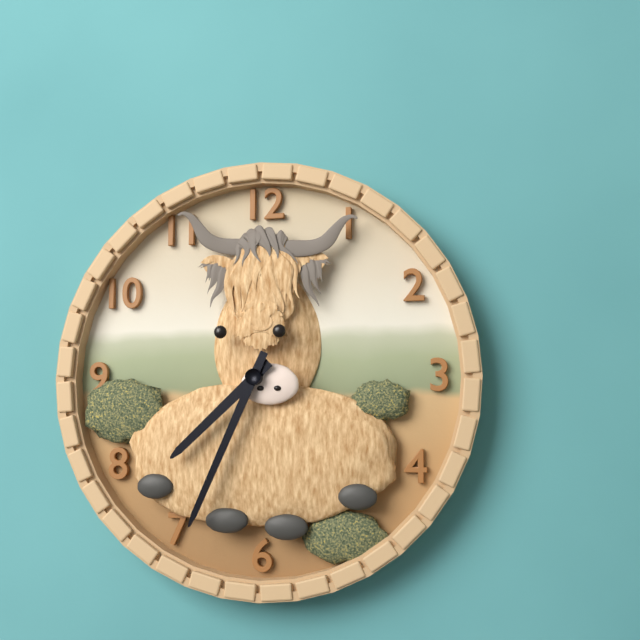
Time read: 7.34
